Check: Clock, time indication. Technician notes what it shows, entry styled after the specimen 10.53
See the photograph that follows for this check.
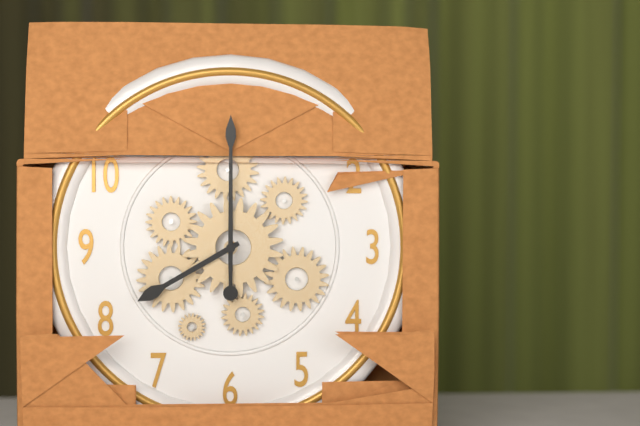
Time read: 8.00
